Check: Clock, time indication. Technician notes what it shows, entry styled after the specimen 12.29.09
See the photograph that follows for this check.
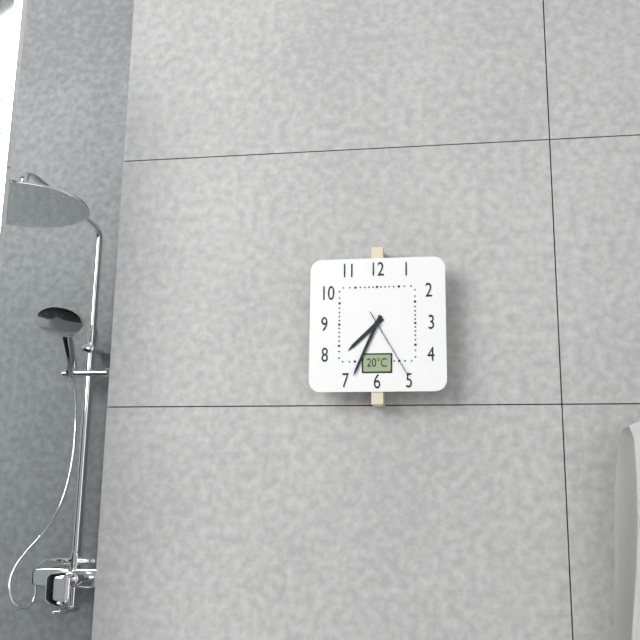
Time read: 7.34.25
